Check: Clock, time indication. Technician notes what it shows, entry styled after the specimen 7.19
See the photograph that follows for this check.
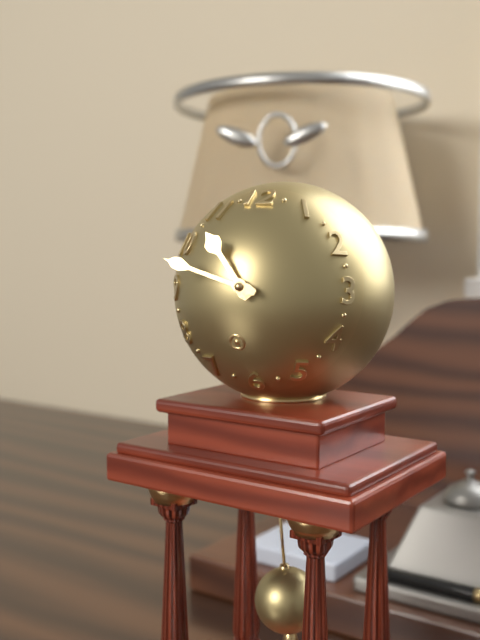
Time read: 10.48
